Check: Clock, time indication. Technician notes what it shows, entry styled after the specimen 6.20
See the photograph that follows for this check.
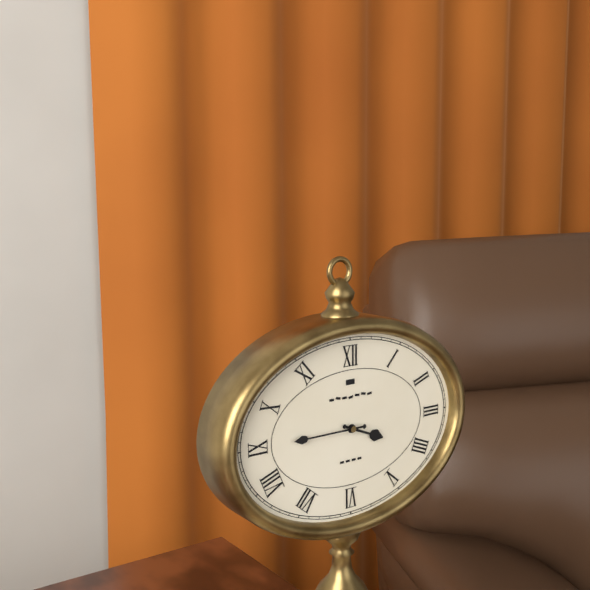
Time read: 3.45
